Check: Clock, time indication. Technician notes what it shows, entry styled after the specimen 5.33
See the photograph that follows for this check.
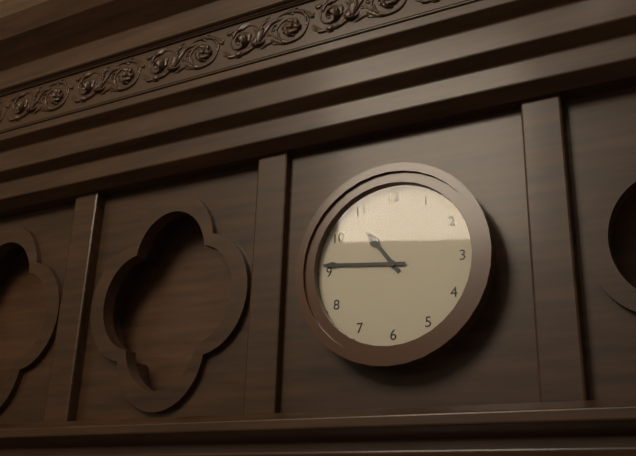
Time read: 10.46
